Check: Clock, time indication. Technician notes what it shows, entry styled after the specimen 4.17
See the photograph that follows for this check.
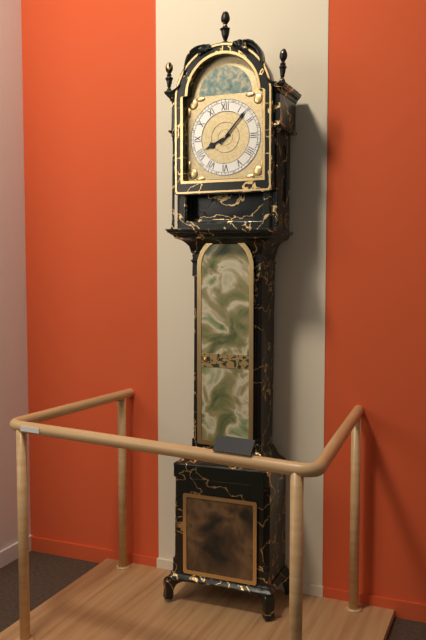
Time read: 8.07
